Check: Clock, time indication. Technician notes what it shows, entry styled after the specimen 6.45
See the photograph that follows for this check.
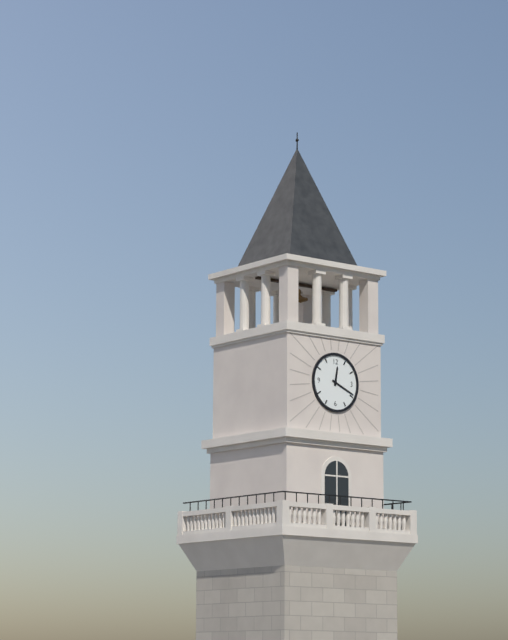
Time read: 12.19
